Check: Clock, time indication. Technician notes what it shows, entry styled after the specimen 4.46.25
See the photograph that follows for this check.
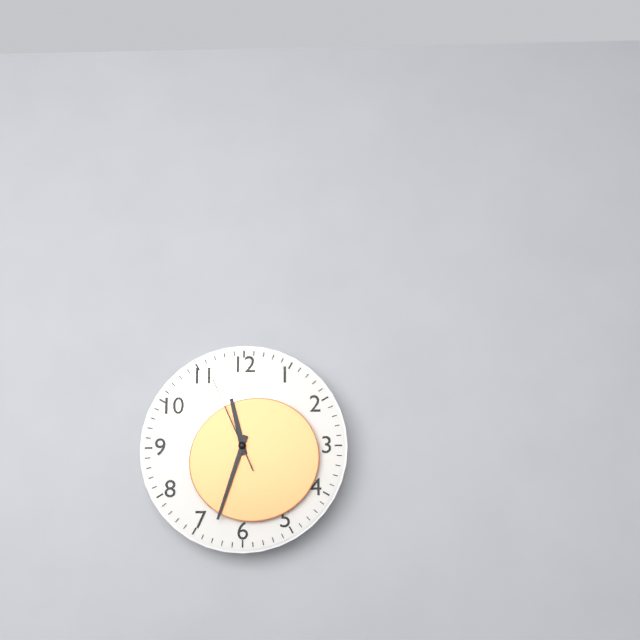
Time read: 11.33.56
